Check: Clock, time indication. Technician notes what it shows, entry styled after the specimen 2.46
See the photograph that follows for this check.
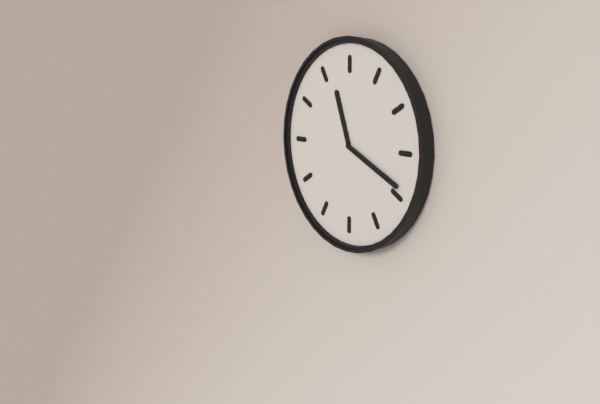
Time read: 11.19
